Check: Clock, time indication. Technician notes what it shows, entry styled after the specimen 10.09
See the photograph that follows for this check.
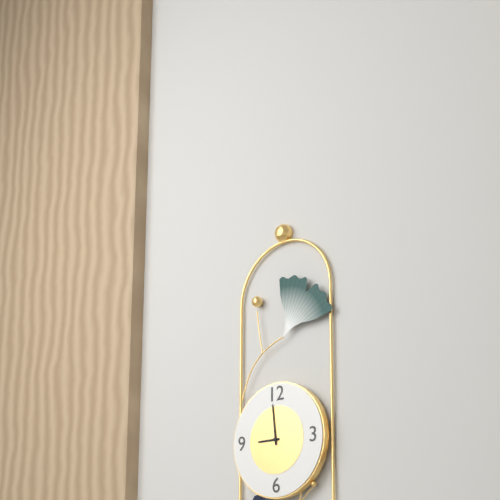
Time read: 8.59
